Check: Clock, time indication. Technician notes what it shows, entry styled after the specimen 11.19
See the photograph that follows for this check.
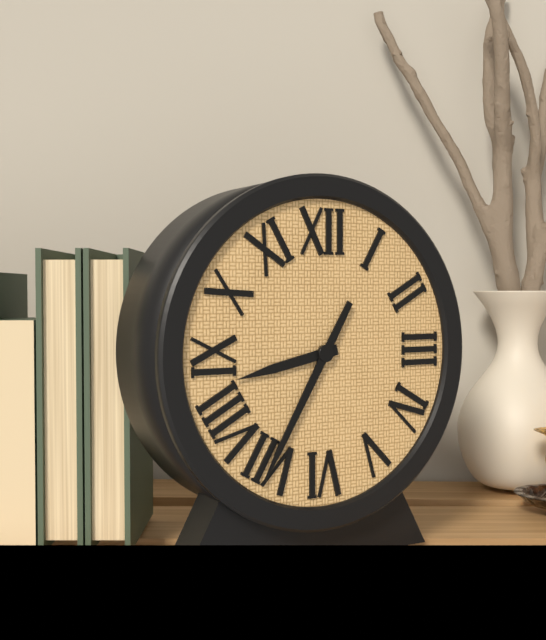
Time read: 8.35
